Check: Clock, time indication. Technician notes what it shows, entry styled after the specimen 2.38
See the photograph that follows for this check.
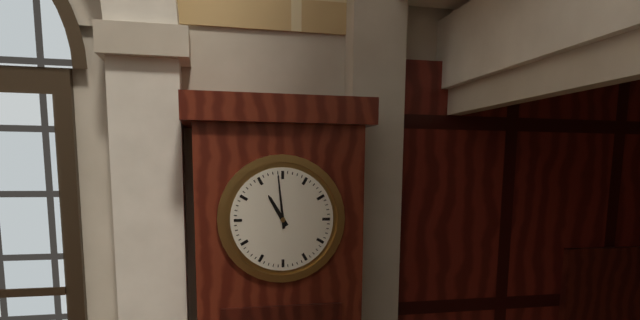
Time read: 10.59
